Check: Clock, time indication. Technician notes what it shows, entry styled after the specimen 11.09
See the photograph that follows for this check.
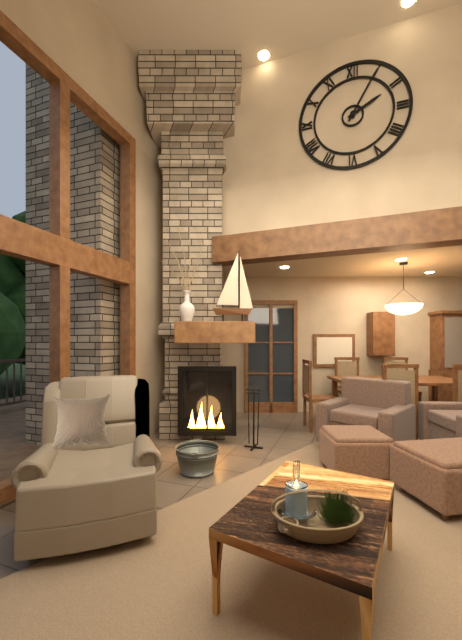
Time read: 2.05
